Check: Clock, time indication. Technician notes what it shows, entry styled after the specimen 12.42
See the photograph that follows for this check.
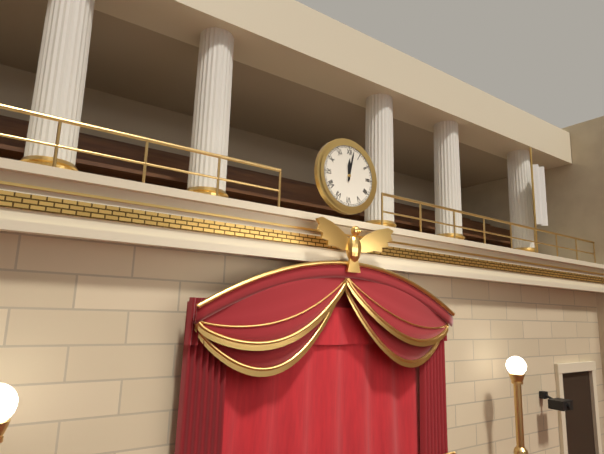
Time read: 12.02
